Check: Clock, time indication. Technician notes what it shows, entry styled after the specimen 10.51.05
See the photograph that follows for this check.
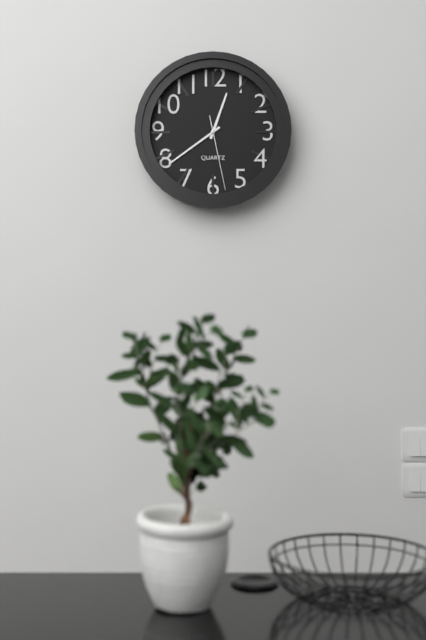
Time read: 12.39.28
